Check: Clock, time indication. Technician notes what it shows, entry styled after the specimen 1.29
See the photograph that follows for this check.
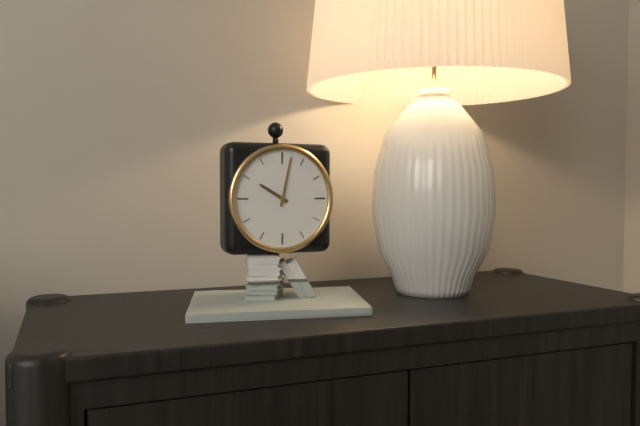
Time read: 10.02
